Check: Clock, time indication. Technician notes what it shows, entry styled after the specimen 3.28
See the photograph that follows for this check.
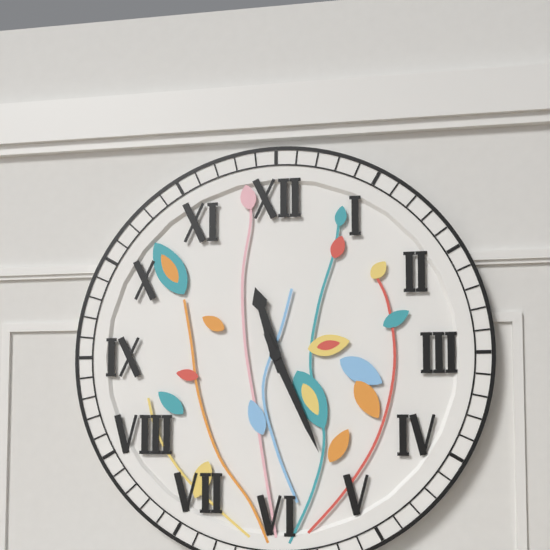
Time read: 11.26
